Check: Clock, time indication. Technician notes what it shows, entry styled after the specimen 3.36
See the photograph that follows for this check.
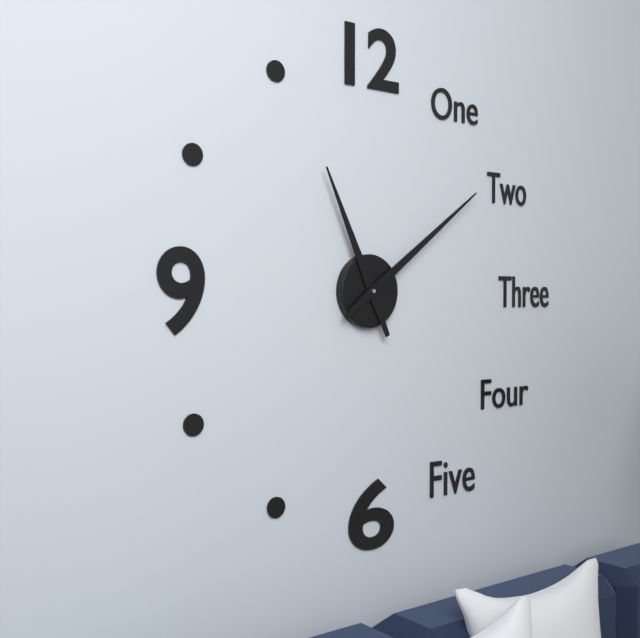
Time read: 11.09
